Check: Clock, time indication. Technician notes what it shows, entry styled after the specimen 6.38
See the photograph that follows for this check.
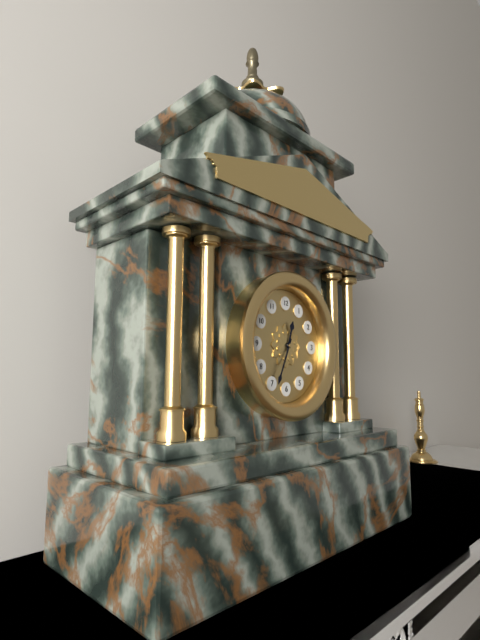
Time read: 12.34
